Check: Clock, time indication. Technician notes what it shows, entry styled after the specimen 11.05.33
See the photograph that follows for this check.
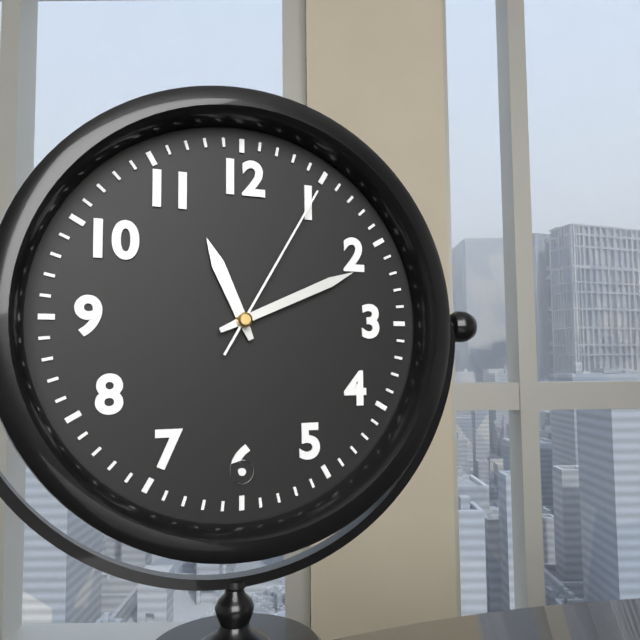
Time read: 11.11.05
